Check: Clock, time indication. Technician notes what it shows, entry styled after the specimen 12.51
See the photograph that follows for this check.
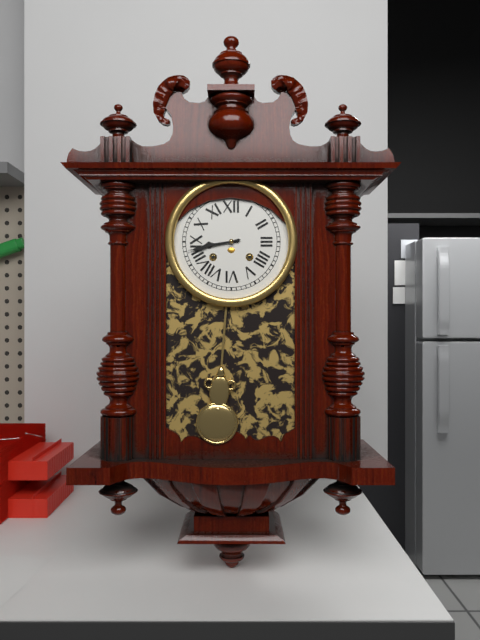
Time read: 8.43
